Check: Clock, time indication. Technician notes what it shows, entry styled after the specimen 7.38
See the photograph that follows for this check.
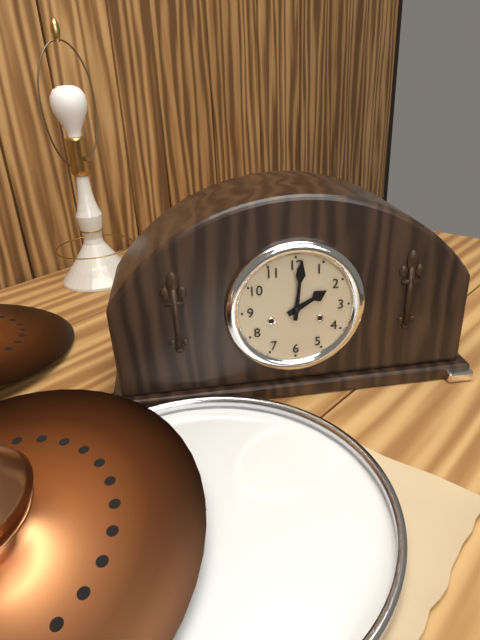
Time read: 2.01
